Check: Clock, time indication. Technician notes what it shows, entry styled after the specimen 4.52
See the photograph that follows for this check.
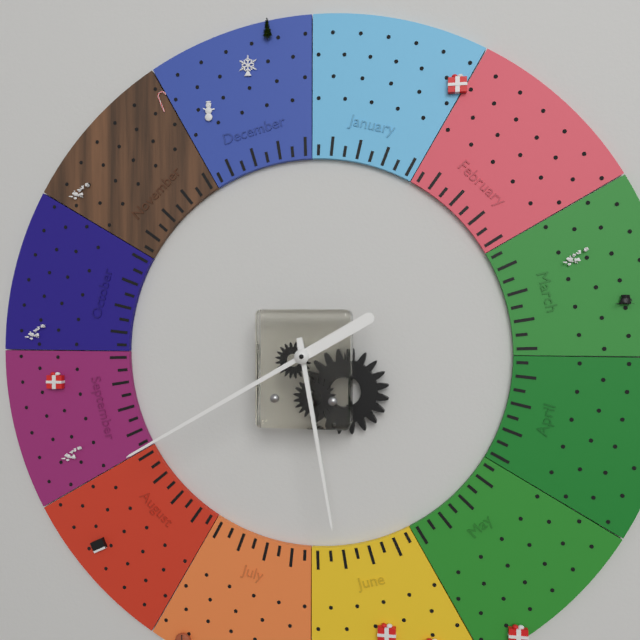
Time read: 5.40
